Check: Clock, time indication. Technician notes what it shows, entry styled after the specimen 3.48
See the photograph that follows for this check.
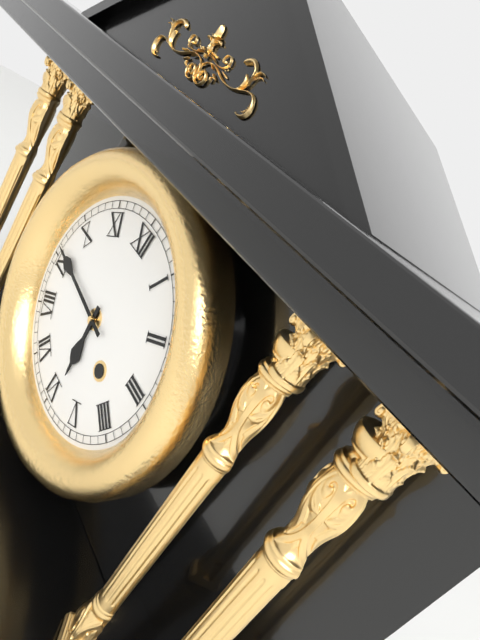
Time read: 5.46
